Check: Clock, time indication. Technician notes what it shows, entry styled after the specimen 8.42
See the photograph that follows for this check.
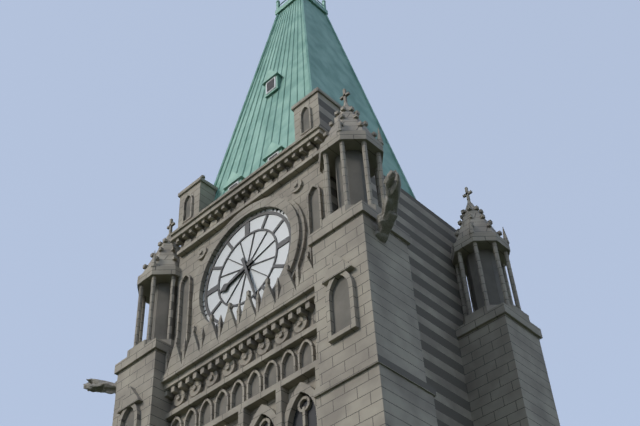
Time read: 8.27
